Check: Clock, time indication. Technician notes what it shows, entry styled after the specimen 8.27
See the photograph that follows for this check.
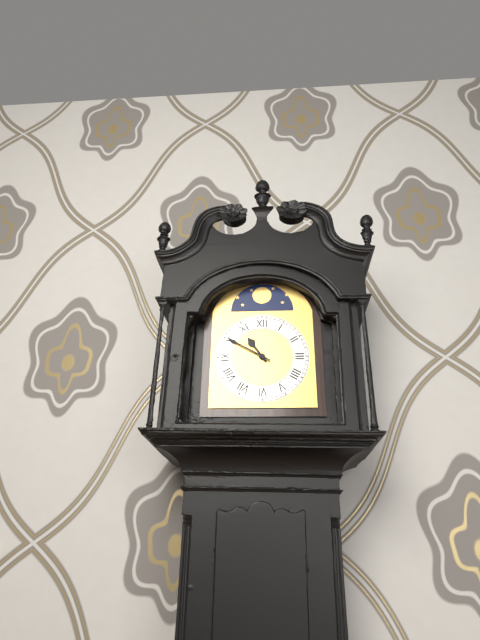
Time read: 10.50
